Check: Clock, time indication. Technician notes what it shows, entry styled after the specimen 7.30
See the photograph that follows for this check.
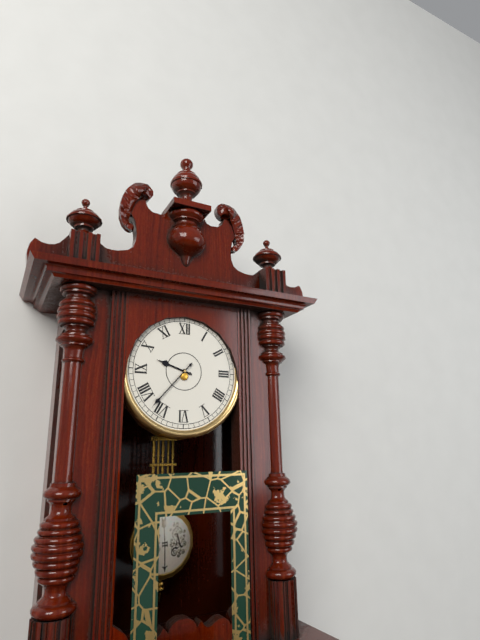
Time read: 9.37
